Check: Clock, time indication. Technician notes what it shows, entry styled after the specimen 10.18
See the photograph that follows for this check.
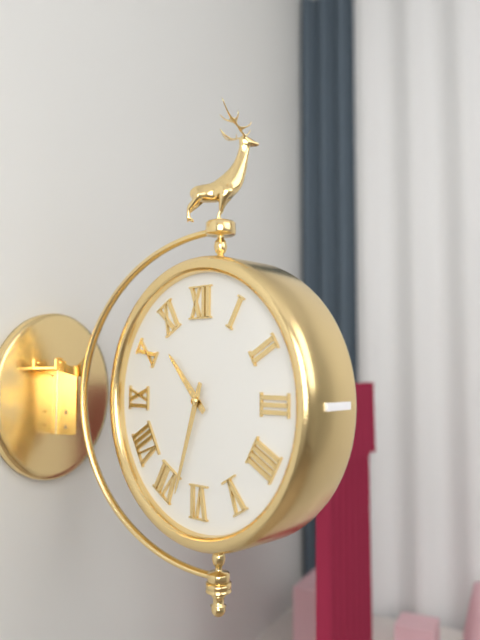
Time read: 10.33
